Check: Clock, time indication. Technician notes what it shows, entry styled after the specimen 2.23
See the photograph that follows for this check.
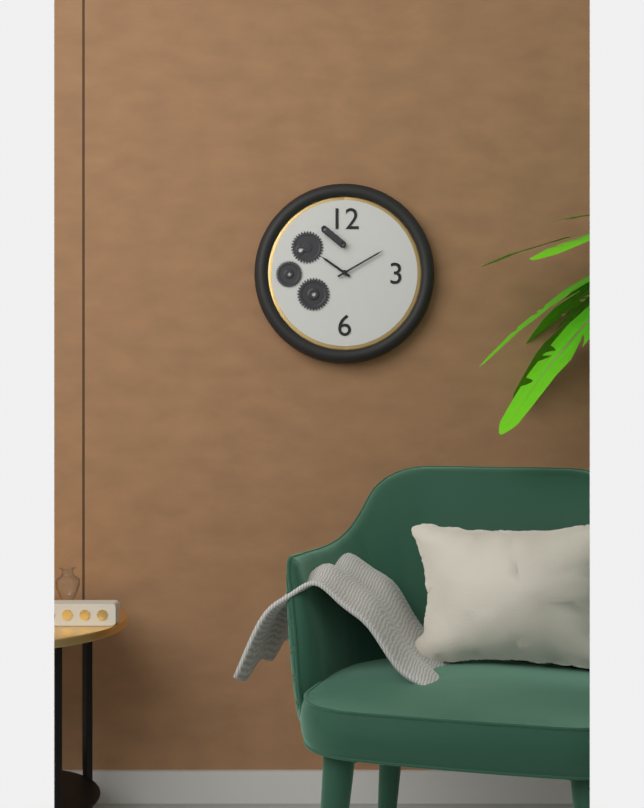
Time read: 10.10
